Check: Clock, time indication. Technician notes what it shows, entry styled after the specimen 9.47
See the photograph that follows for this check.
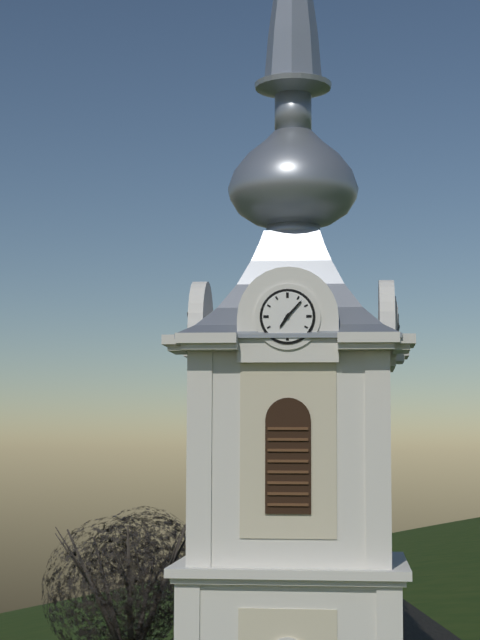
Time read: 7.07
